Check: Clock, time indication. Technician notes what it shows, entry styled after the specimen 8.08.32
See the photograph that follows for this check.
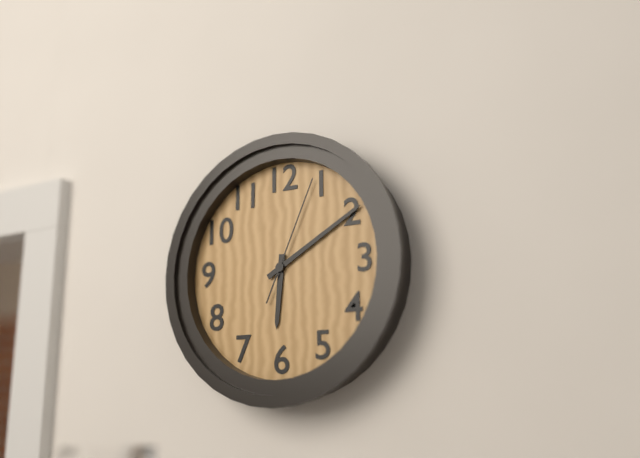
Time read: 6.10.04
